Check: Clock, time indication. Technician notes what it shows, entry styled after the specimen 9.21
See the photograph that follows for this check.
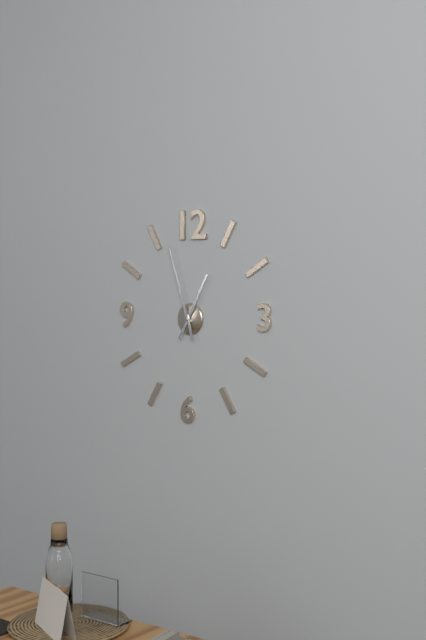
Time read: 12.57
